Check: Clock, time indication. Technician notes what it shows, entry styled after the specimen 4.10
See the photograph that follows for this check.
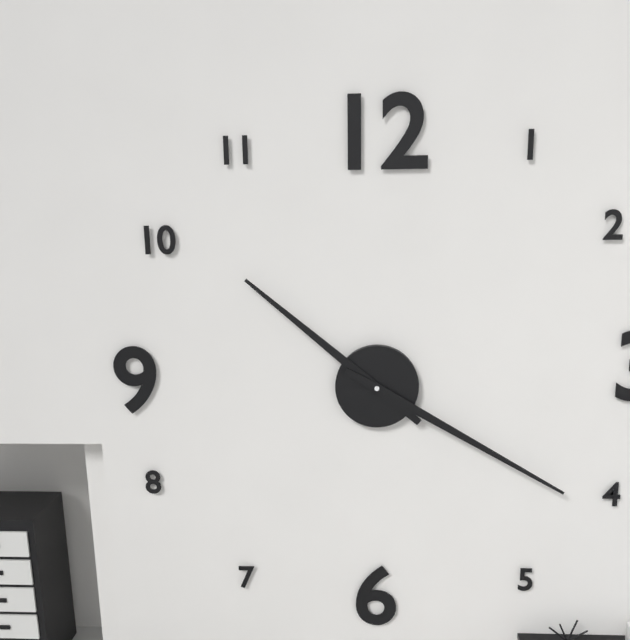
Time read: 10.20
